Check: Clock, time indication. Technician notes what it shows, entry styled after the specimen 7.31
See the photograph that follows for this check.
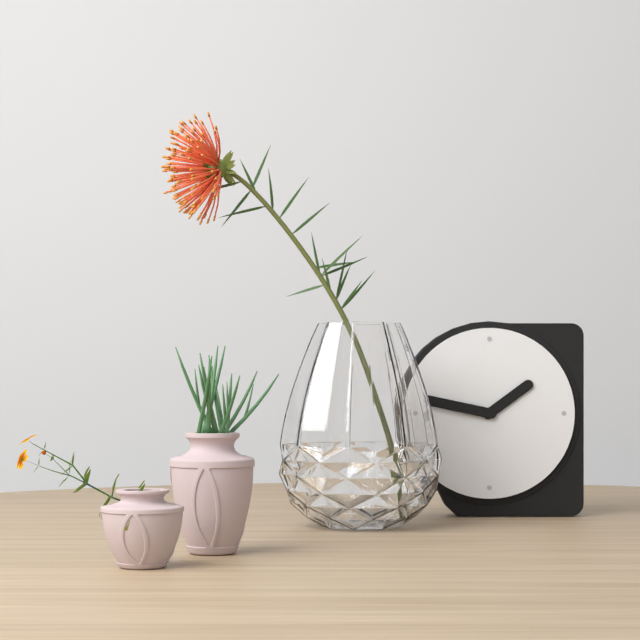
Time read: 1.47
